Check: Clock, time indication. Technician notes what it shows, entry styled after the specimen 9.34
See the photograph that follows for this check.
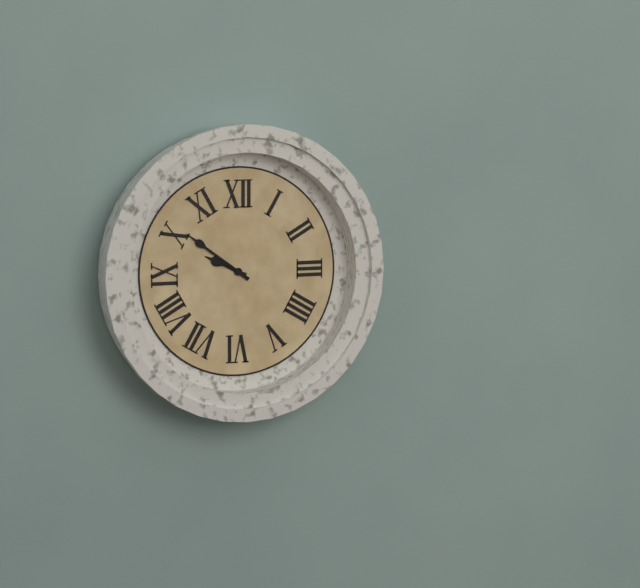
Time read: 9.51
